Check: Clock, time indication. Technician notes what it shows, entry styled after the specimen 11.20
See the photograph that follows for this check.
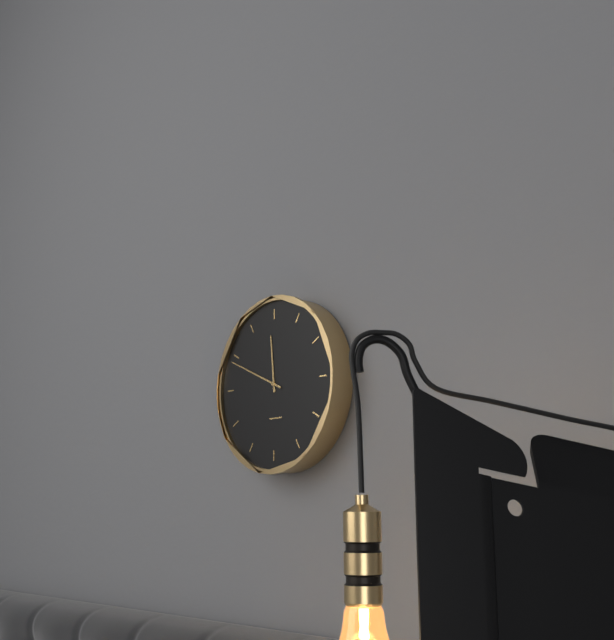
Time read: 11.49
